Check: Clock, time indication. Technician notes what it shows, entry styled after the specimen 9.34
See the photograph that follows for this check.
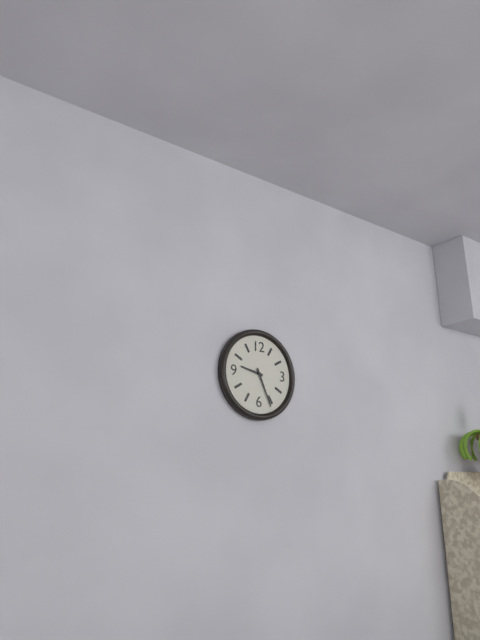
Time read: 9.26
